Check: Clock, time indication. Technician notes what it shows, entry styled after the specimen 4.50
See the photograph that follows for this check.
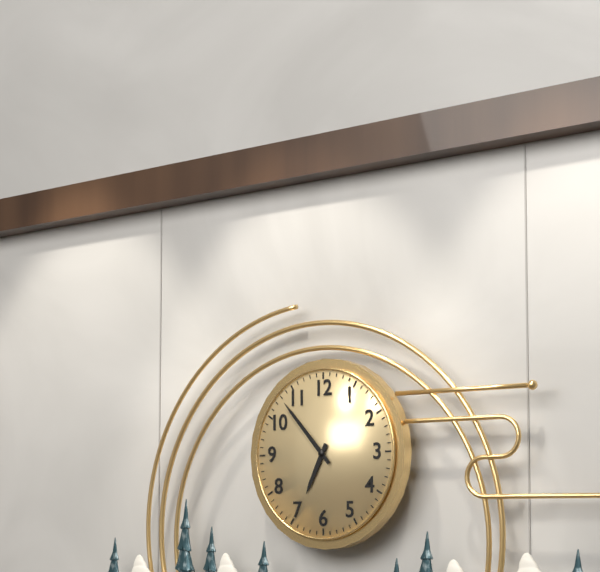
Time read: 6.53
